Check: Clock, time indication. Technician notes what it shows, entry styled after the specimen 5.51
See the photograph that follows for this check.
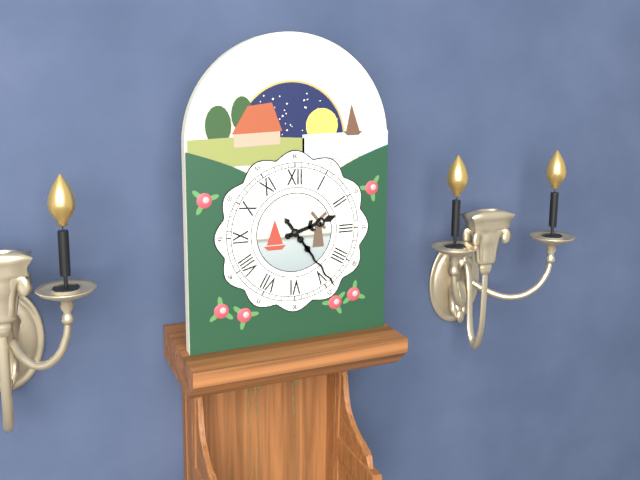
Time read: 2.24
